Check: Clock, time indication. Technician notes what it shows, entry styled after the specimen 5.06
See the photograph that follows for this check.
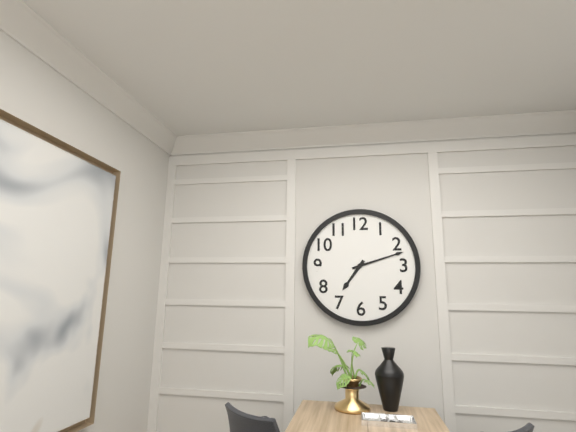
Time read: 7.12
